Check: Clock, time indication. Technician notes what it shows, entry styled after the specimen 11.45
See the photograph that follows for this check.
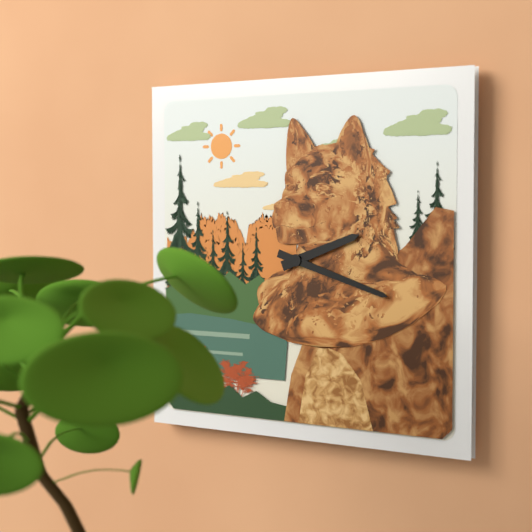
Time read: 2.18
